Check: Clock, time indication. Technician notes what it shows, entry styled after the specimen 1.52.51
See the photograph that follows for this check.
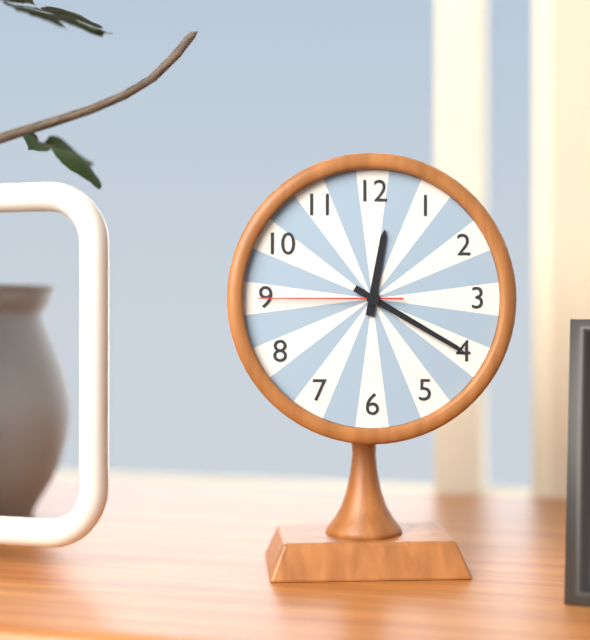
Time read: 12.20.45
